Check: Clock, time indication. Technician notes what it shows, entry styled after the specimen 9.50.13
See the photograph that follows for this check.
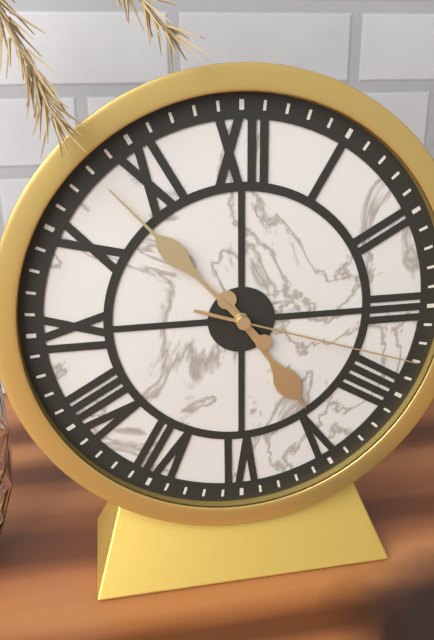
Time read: 4.53.18
